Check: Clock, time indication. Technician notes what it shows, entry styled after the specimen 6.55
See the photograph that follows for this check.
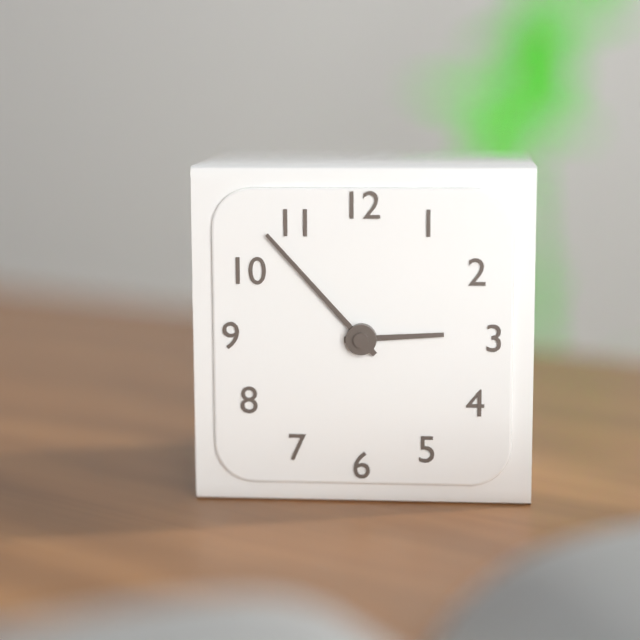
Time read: 2.53
